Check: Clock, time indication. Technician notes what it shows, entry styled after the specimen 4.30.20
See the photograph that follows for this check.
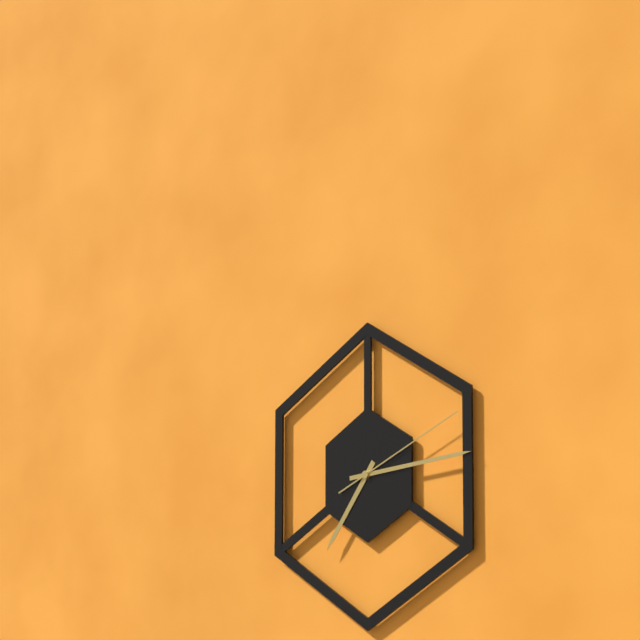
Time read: 7.14.11
